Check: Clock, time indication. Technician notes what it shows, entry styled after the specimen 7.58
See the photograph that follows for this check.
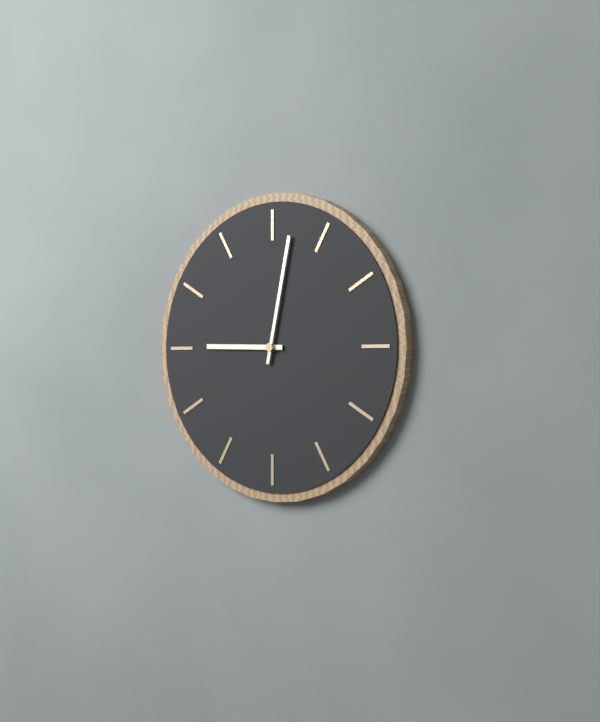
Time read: 9.02
